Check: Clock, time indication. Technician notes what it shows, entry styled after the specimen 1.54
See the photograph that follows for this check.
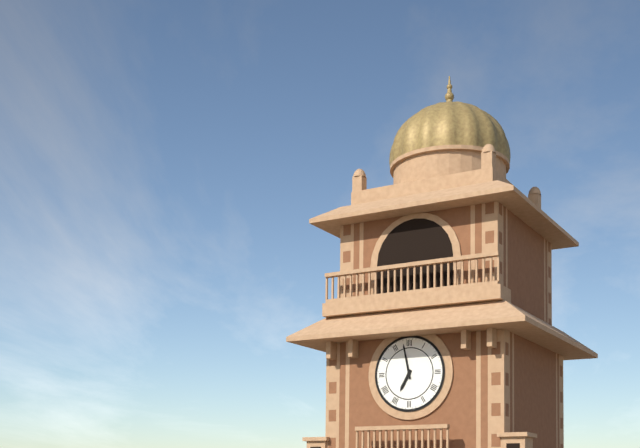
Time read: 6.58
